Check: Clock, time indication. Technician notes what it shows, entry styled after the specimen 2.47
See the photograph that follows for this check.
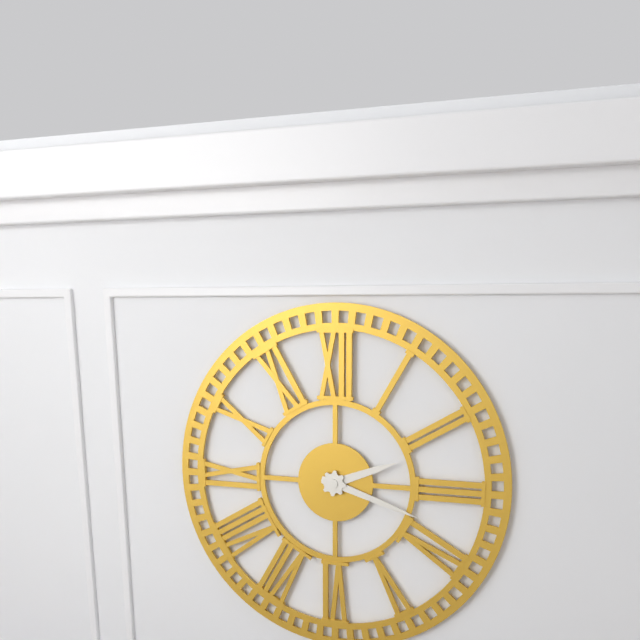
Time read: 2.18
